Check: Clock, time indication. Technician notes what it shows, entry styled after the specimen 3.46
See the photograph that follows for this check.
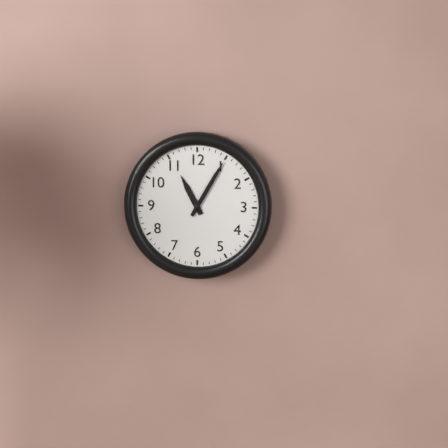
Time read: 11.05
